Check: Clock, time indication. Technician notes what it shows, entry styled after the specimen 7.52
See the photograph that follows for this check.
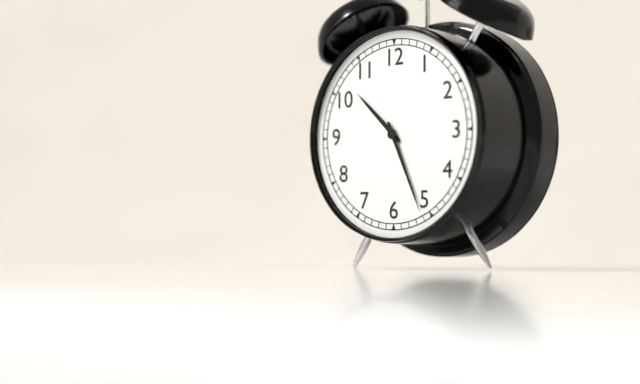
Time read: 10.26
